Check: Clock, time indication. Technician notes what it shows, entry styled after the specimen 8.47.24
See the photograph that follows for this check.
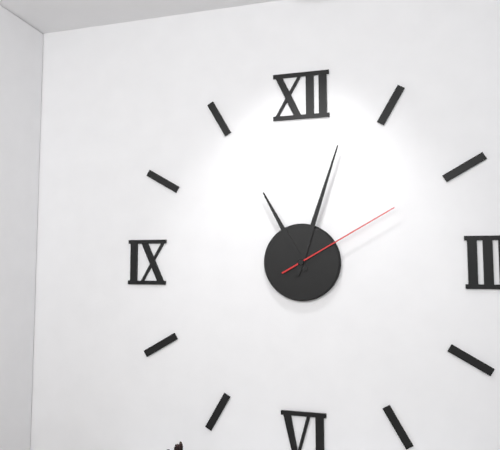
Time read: 11.03.10
